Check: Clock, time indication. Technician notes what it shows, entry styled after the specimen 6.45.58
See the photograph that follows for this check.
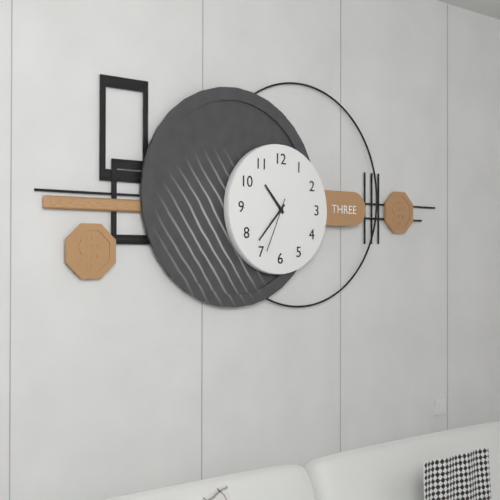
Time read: 10.37.34
